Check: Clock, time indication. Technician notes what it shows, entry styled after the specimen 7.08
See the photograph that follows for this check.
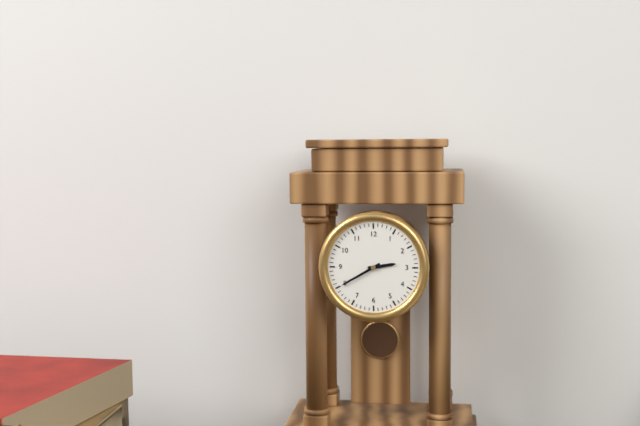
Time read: 2.40
